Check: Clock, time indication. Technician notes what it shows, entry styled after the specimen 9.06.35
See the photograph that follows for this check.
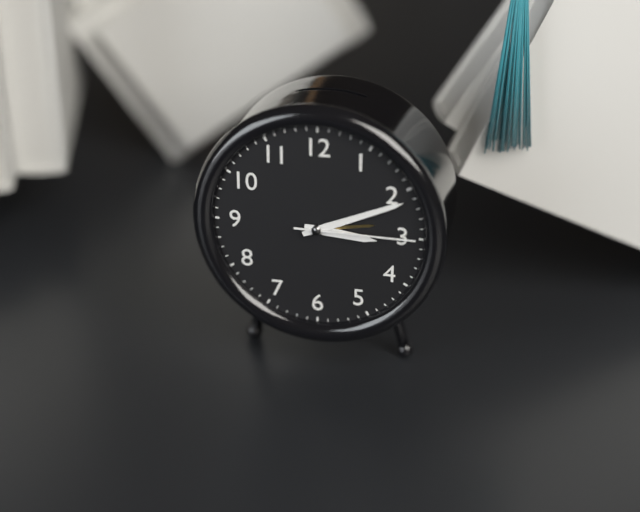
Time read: 3.11.15
